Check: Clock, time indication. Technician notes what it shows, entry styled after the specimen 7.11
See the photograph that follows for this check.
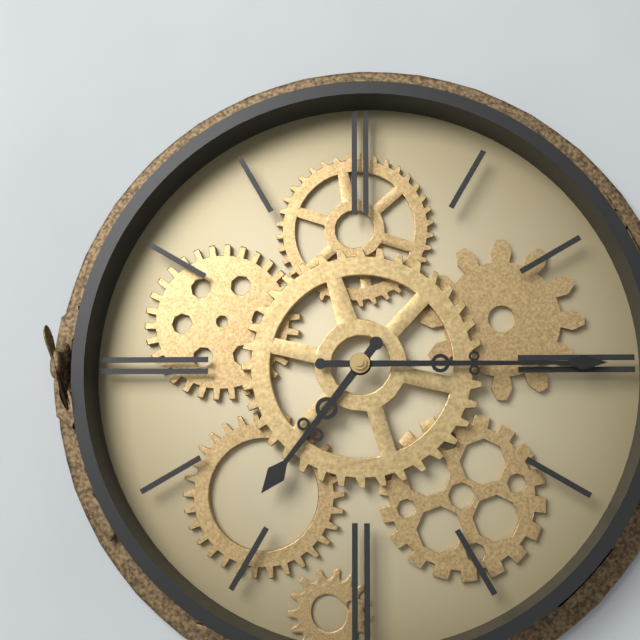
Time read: 7.15
